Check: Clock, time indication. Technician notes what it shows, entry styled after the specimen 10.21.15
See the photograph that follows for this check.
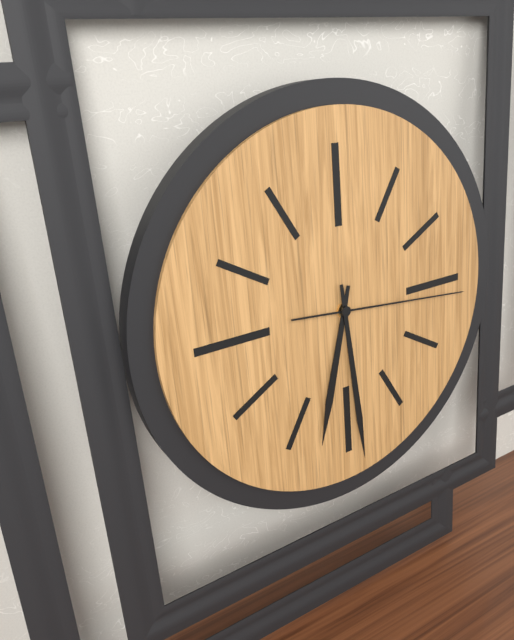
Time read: 6.29.16
